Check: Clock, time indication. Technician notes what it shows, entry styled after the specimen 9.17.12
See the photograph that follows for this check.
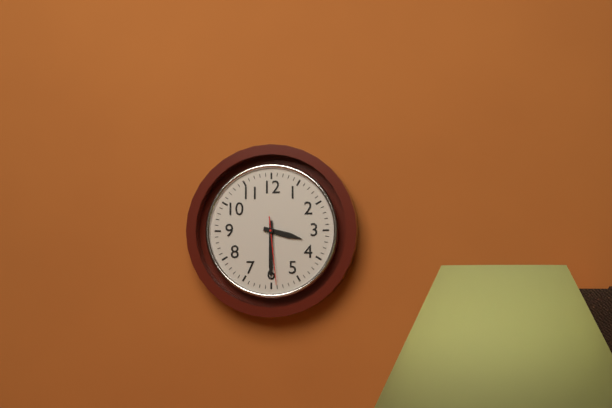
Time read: 3.30.29
